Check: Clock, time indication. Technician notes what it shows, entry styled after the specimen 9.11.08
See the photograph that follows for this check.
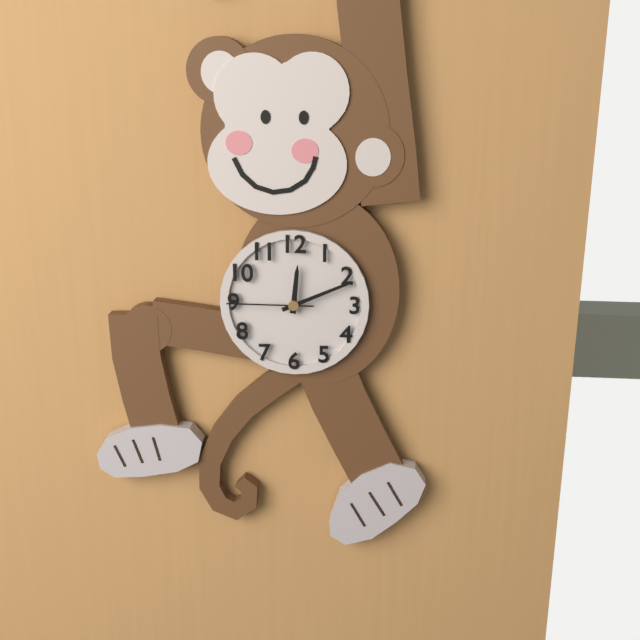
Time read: 12.11.45
